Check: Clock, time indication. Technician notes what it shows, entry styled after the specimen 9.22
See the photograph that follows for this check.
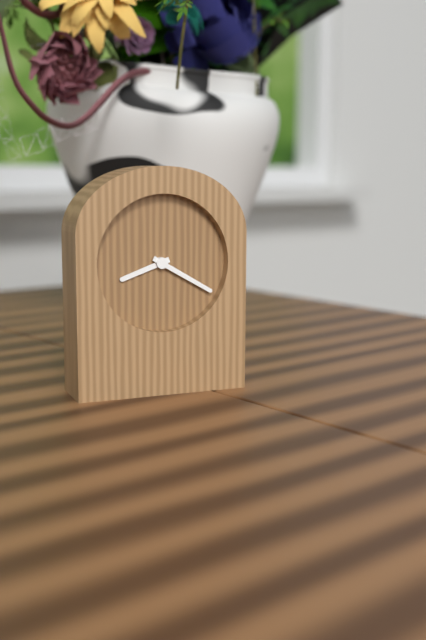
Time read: 8.20
